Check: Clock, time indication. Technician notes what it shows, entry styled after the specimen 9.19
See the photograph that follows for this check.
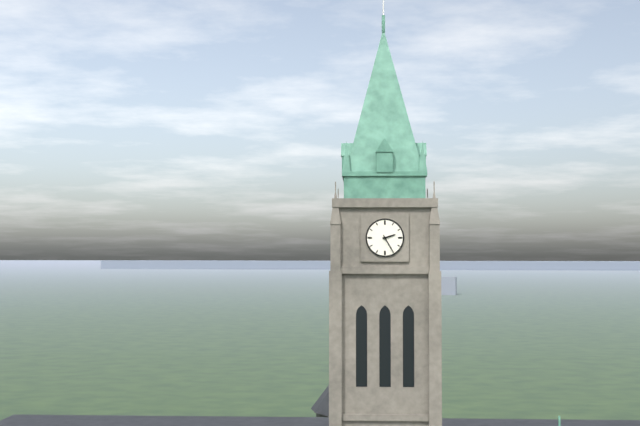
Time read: 2.25
